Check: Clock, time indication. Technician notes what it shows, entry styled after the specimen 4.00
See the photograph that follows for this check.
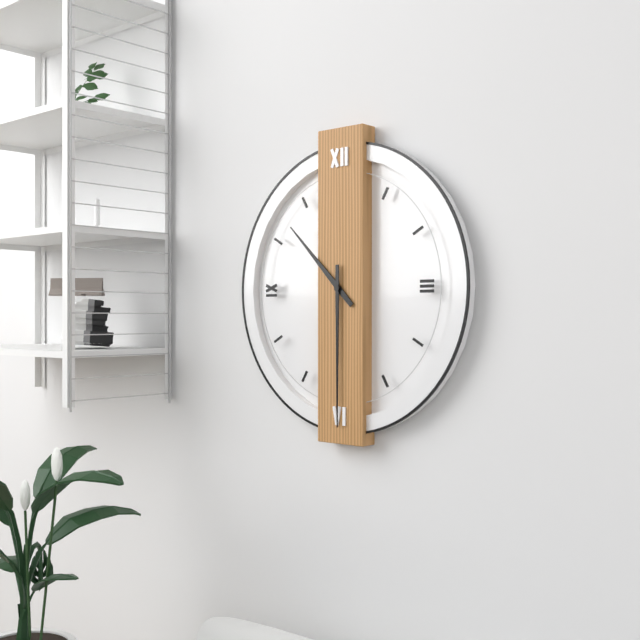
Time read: 10.30
